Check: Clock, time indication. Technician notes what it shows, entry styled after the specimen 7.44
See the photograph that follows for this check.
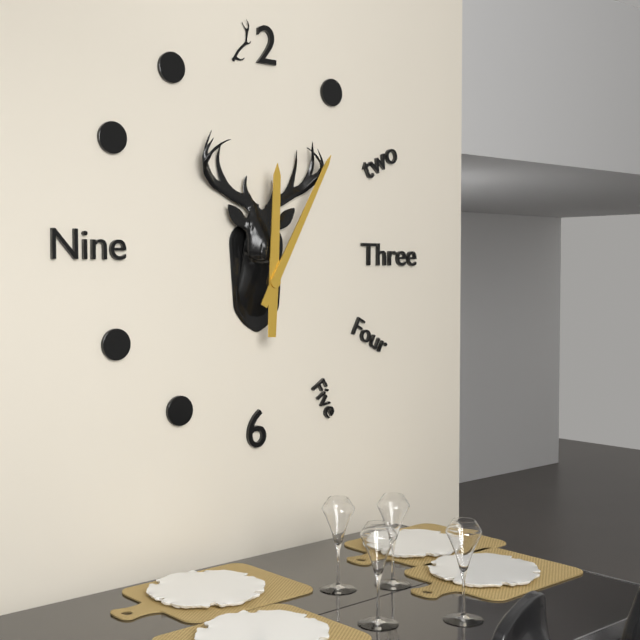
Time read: 12.05
